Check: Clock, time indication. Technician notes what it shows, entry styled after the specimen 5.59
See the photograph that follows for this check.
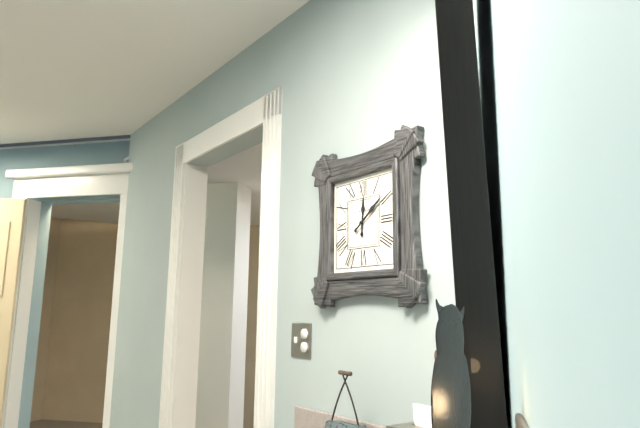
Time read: 12.09
